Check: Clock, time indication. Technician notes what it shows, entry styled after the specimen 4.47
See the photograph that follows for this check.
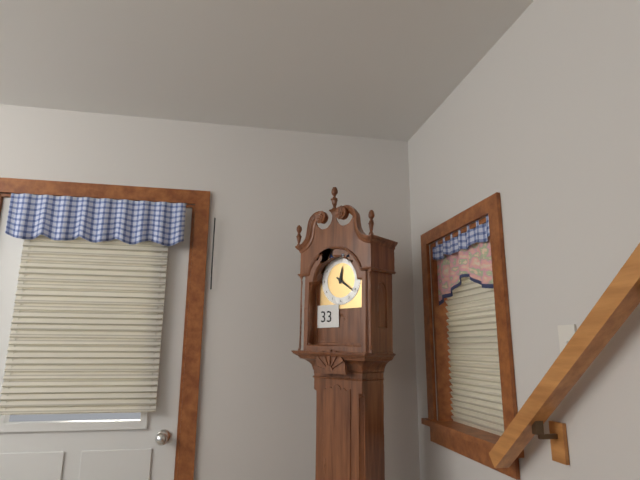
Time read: 12.21
